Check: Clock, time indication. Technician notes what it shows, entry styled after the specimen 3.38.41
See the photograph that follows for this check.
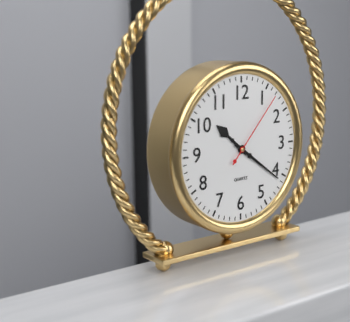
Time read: 10.21.07
